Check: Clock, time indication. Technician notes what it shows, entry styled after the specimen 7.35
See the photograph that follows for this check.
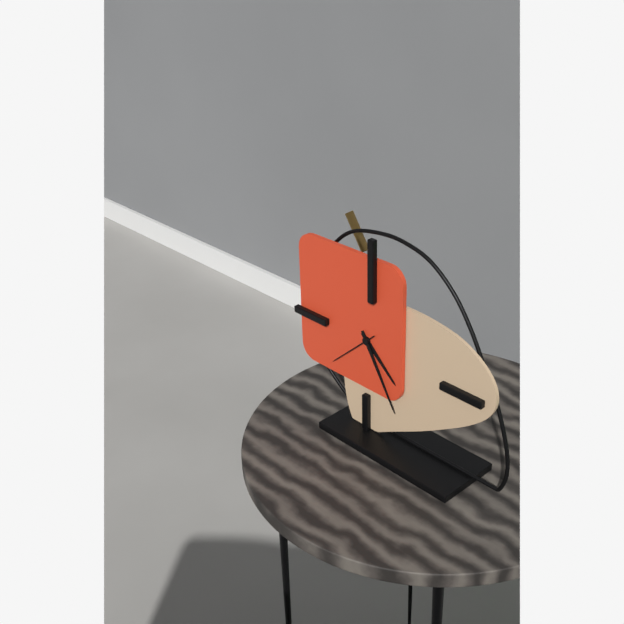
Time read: 4.25
